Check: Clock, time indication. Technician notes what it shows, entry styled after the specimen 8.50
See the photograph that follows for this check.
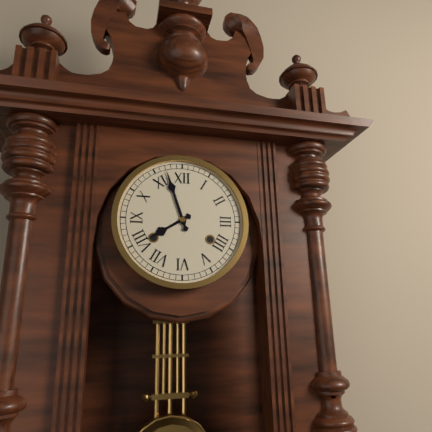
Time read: 7.57
